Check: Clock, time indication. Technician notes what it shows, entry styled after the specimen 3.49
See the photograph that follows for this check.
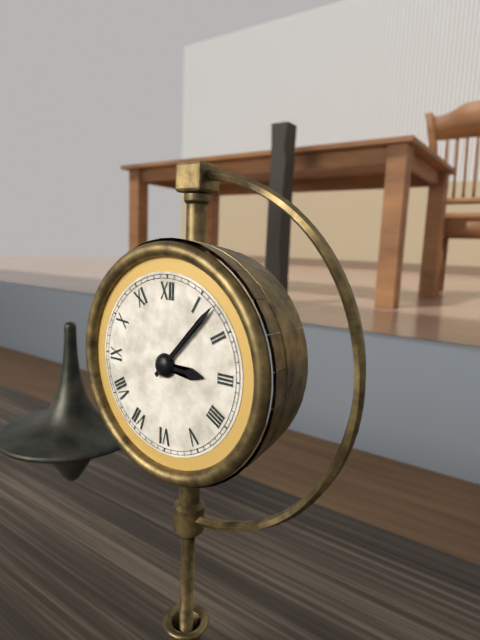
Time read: 3.07
